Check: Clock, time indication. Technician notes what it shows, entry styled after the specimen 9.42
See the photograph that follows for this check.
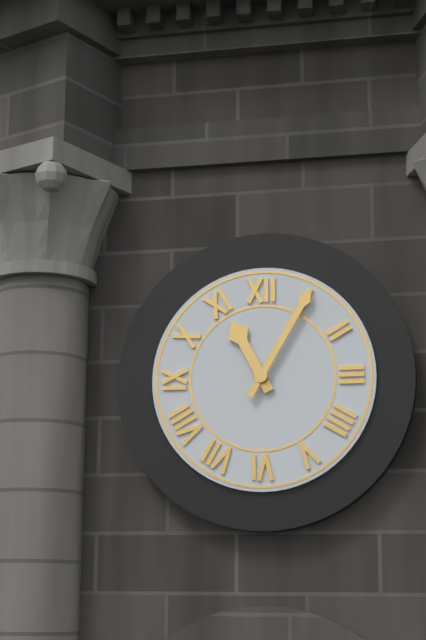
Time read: 11.05
